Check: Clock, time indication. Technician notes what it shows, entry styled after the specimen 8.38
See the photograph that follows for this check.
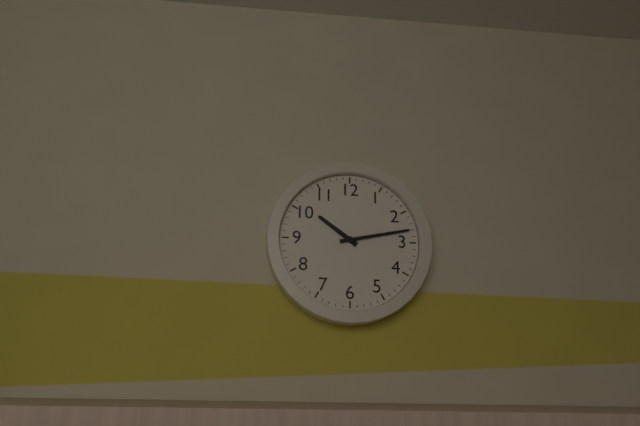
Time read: 10.13
